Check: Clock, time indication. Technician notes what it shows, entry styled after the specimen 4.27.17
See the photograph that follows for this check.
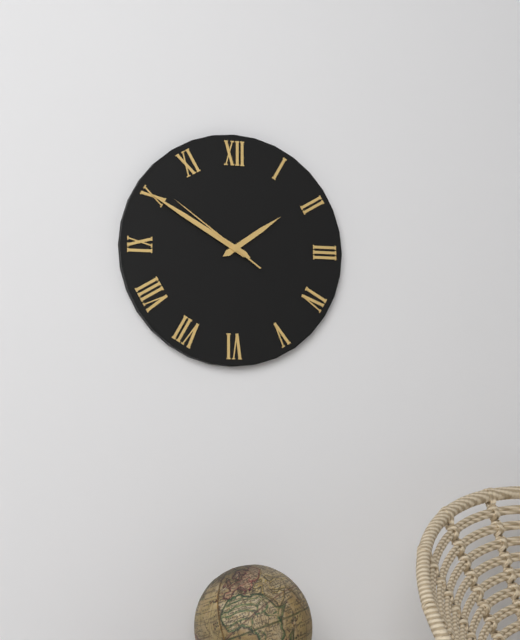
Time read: 1.50.51
